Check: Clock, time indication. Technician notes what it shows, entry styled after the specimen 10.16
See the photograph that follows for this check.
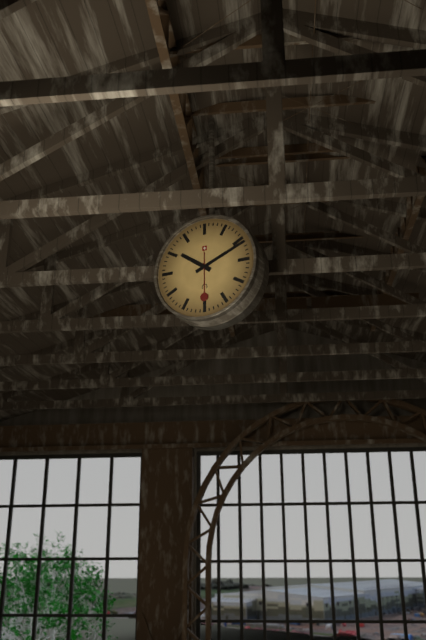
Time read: 10.11
